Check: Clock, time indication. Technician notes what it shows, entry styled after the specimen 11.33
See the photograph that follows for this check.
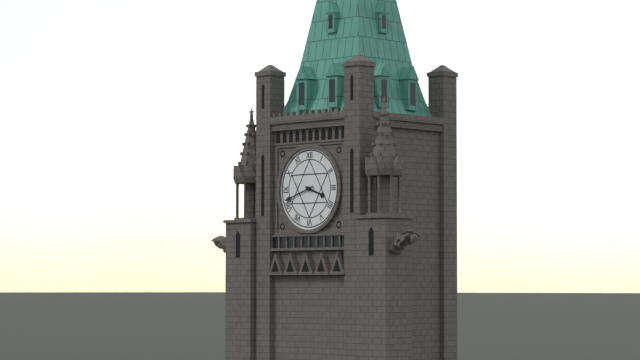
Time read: 3.42
